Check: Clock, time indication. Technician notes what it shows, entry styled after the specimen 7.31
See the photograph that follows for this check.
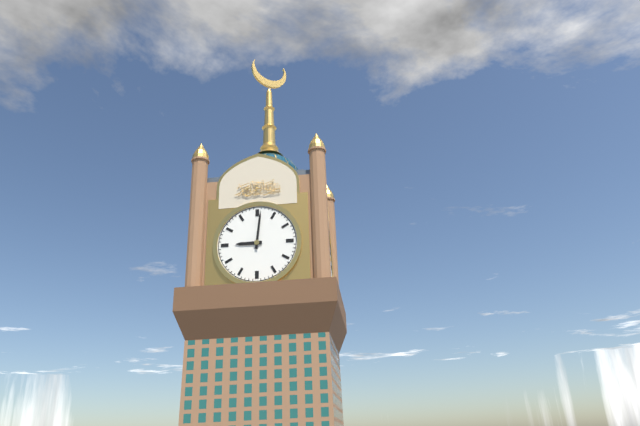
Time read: 9.01
